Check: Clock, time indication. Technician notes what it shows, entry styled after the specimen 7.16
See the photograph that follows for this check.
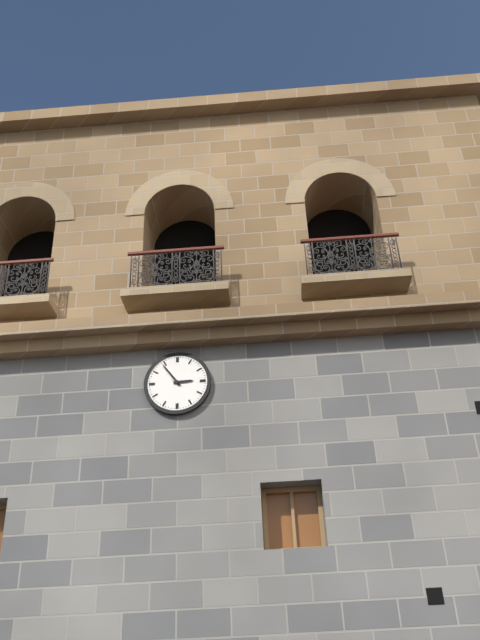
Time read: 2.54
